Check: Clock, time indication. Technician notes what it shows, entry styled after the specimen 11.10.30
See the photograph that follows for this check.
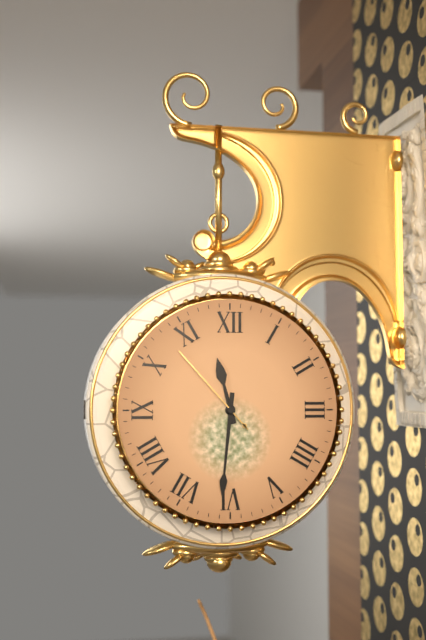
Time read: 11.31.53
